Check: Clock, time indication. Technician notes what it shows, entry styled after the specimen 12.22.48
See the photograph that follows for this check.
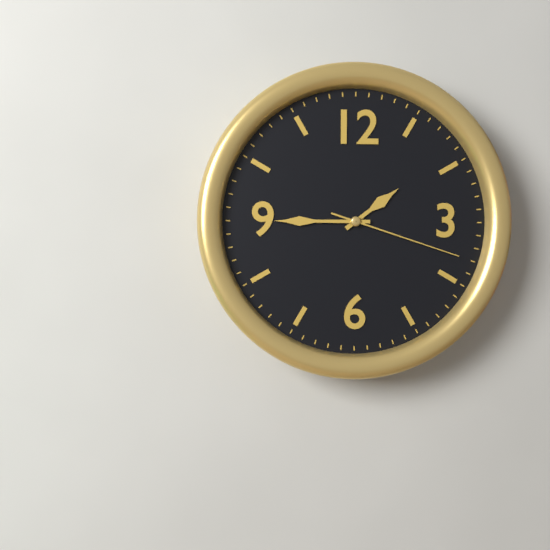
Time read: 1.45.18
